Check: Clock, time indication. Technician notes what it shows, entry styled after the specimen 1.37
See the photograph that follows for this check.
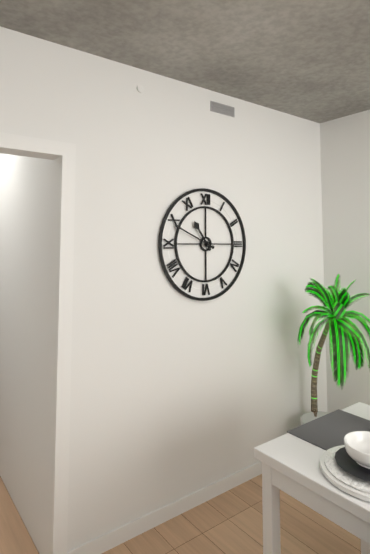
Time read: 10.49
